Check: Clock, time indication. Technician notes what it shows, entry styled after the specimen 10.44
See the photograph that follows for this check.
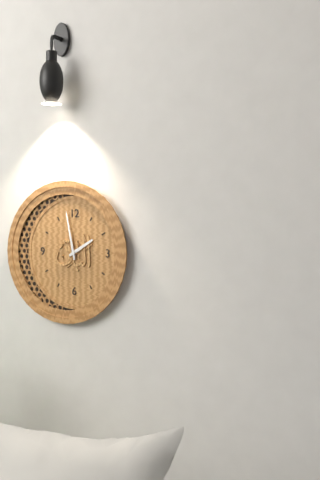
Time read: 1.58
